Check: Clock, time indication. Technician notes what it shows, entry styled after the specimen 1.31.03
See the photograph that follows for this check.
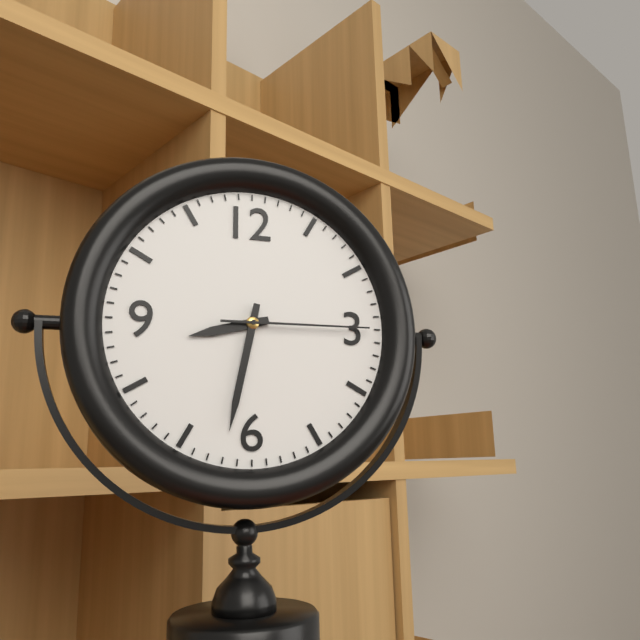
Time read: 8.32.15
